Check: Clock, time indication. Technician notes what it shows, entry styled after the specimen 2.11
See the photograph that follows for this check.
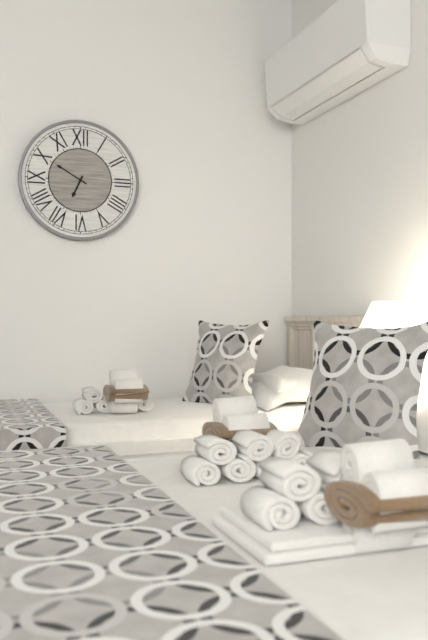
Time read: 6.50
